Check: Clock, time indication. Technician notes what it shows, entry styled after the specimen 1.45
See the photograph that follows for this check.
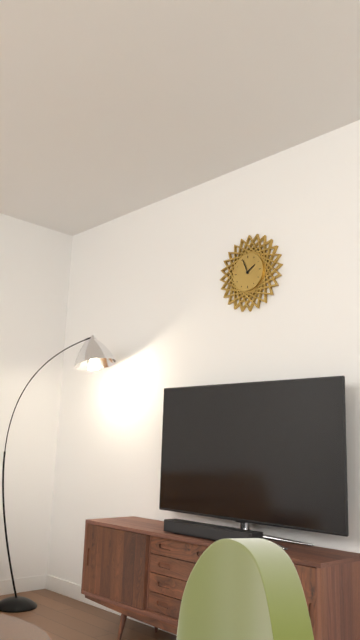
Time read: 1.56
